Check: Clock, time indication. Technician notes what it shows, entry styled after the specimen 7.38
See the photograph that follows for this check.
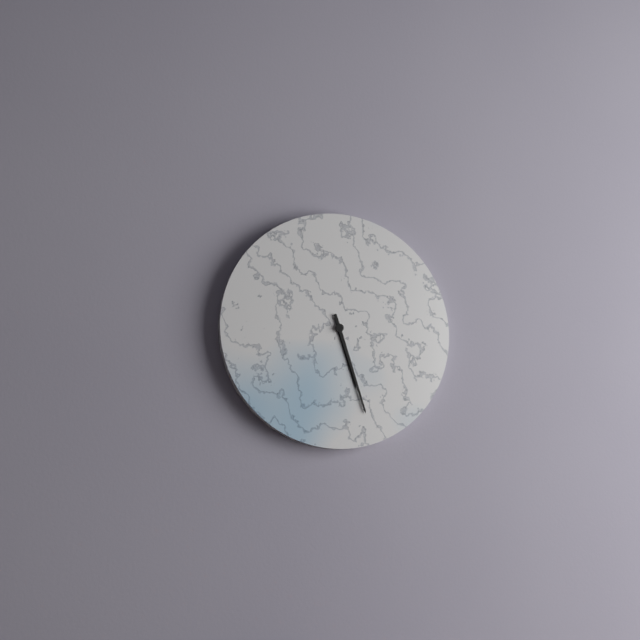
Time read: 5.27
